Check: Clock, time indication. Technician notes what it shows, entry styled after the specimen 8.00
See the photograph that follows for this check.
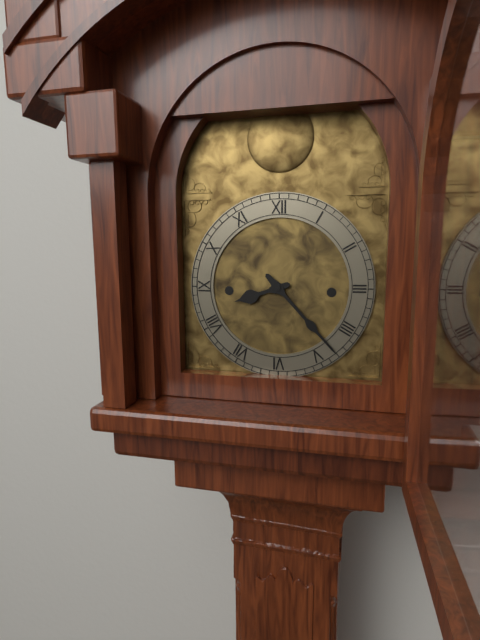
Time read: 8.23
